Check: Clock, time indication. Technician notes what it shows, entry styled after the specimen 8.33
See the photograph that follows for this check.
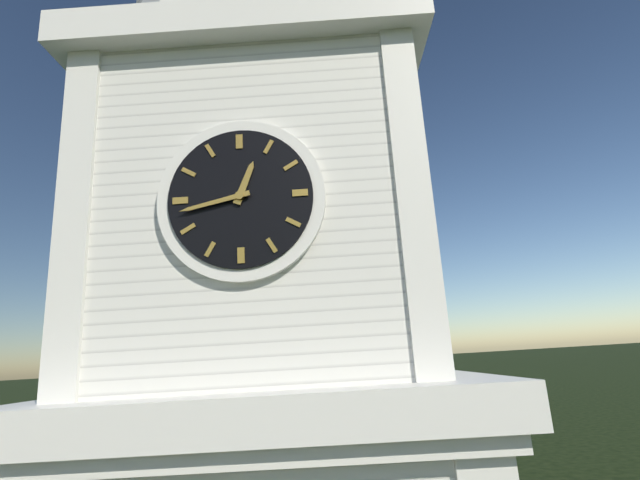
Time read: 12.43
